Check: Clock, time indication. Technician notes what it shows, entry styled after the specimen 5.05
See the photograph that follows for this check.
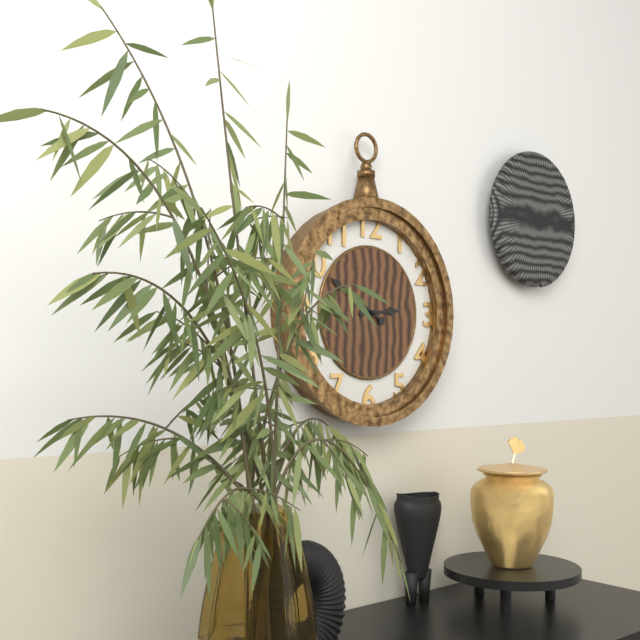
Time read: 2.50
